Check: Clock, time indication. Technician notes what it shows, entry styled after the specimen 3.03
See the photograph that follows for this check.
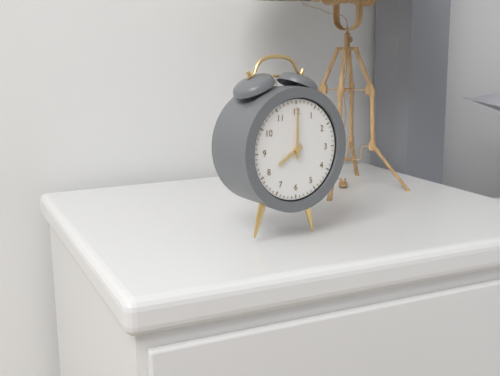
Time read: 8.00
